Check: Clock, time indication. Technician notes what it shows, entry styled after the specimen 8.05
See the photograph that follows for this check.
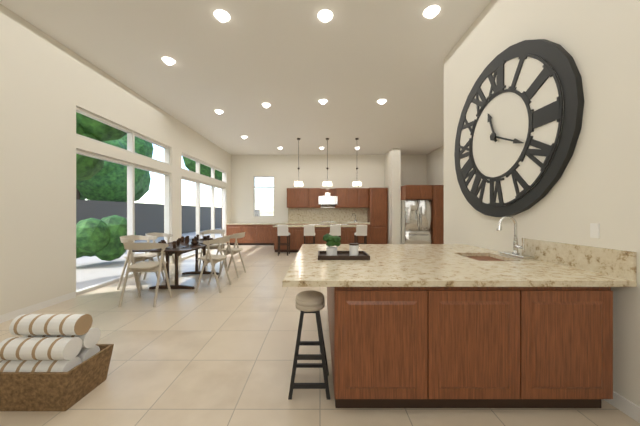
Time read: 11.19
